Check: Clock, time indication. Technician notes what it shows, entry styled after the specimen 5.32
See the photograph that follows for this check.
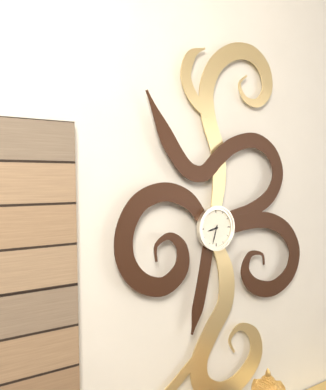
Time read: 8.33
